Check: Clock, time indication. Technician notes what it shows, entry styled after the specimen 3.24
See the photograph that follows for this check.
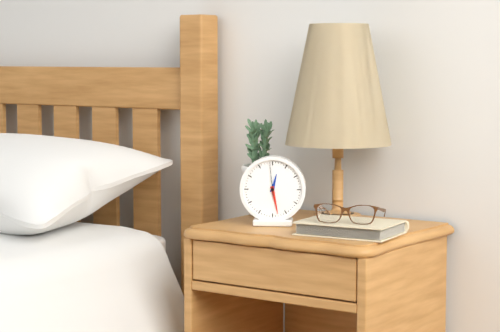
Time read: 12.28
